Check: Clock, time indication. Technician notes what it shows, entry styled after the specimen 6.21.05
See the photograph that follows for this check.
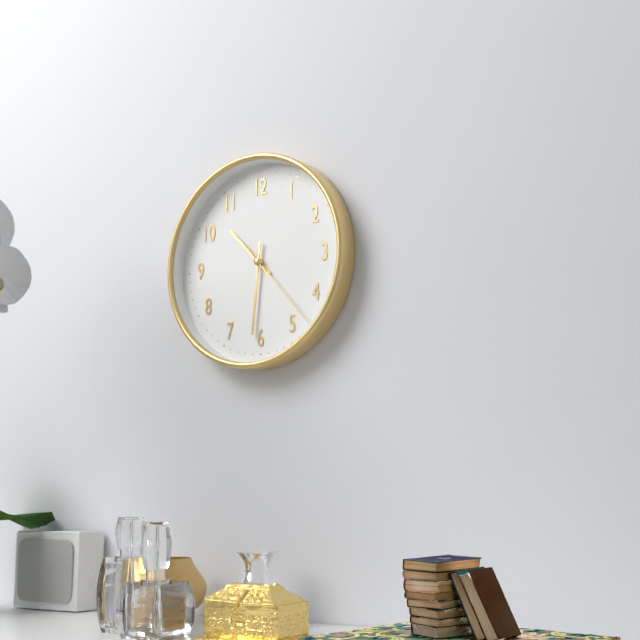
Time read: 10.31.23
